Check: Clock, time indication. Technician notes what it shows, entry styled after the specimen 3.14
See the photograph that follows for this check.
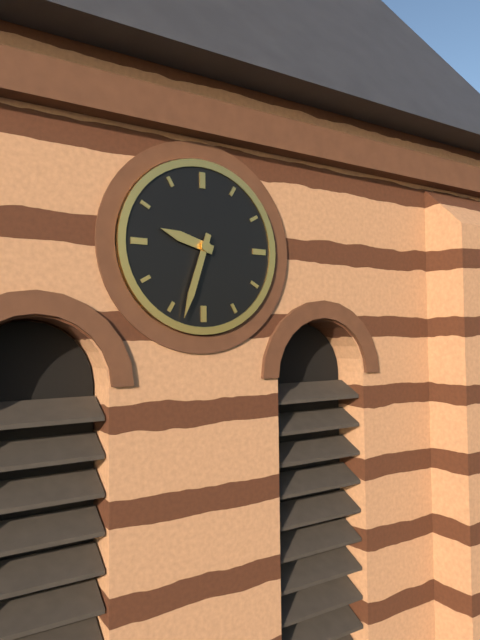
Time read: 9.33
